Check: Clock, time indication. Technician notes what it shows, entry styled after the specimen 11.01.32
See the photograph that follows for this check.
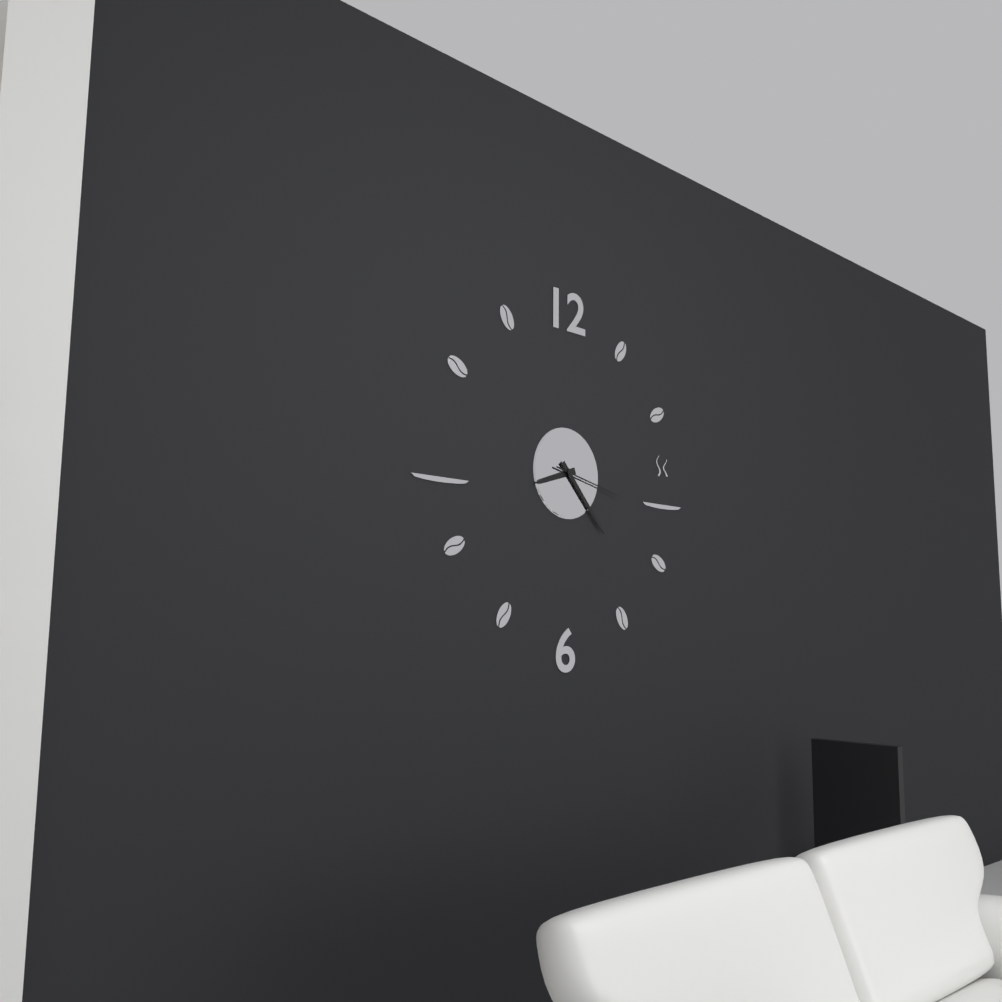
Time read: 8.23.17
